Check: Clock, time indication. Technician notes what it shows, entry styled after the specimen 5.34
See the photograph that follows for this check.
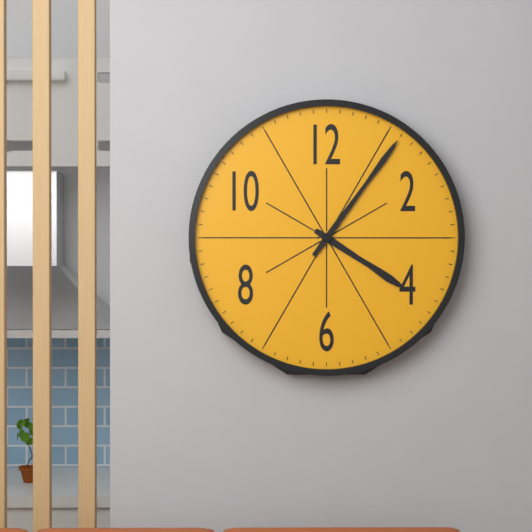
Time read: 4.06
